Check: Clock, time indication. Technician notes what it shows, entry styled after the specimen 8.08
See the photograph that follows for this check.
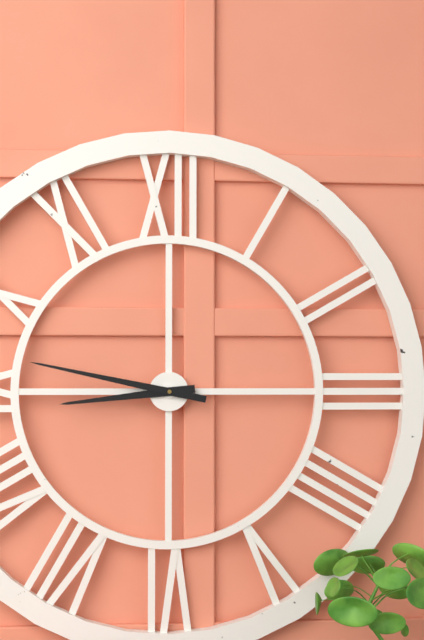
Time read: 8.47
